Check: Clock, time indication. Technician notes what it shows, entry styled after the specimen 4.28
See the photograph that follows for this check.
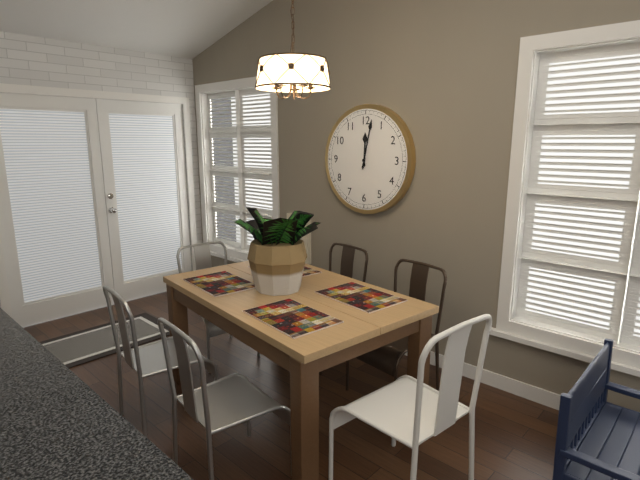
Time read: 12.02
